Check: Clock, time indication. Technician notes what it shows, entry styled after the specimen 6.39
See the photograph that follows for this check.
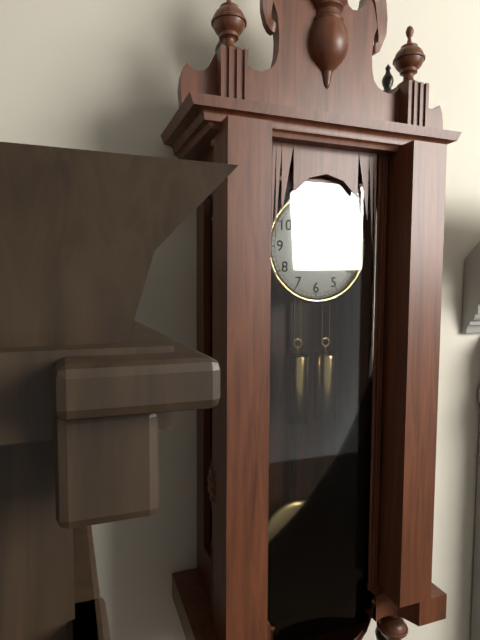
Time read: 3.02
